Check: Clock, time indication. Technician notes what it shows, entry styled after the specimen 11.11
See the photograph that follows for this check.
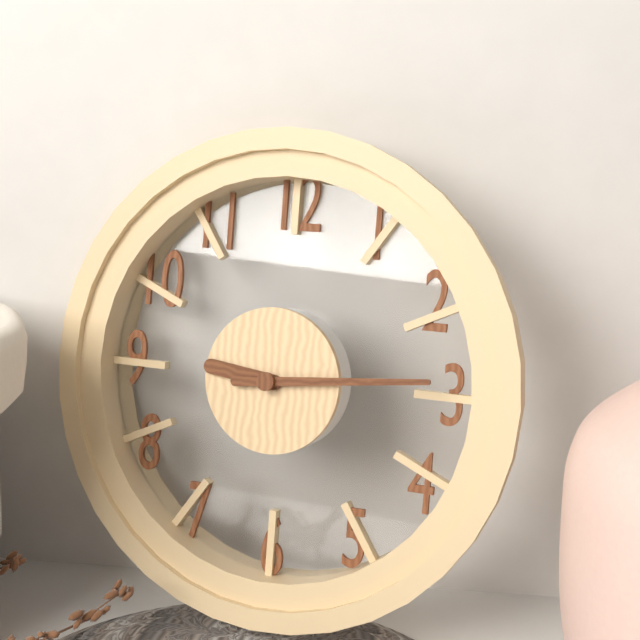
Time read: 9.14
